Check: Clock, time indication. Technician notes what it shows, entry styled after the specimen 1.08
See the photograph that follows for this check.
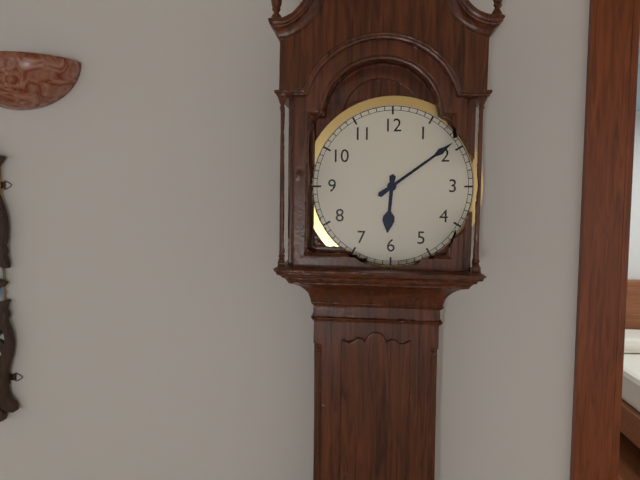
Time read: 6.09
